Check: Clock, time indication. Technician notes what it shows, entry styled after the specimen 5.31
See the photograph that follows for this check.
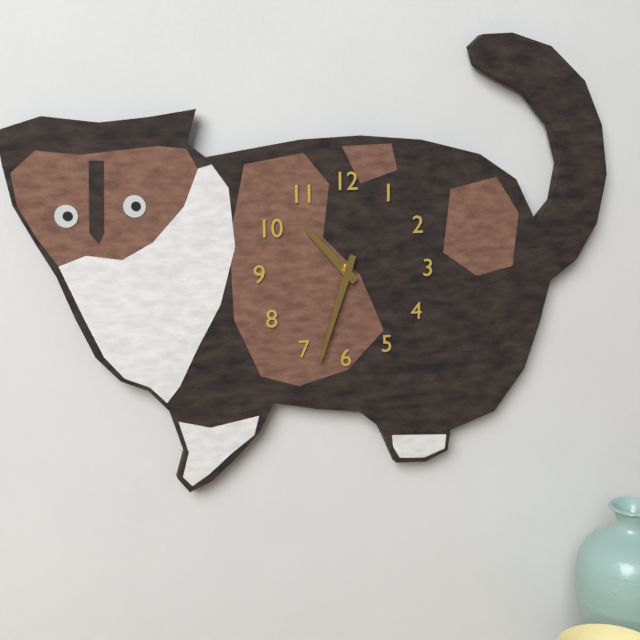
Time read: 10.33
